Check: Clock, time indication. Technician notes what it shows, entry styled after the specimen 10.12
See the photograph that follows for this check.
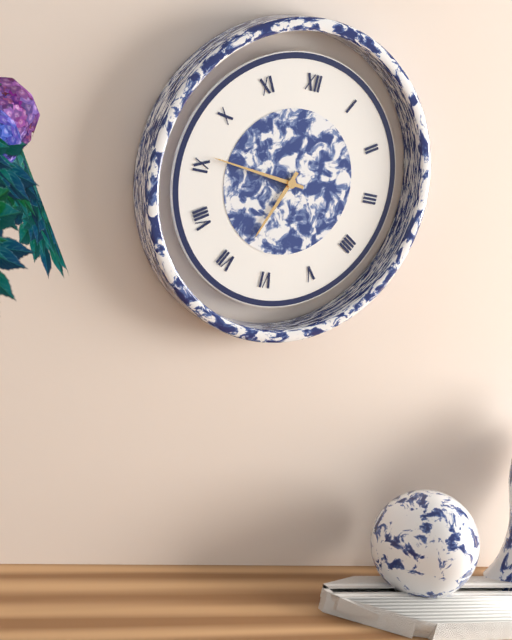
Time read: 6.46
